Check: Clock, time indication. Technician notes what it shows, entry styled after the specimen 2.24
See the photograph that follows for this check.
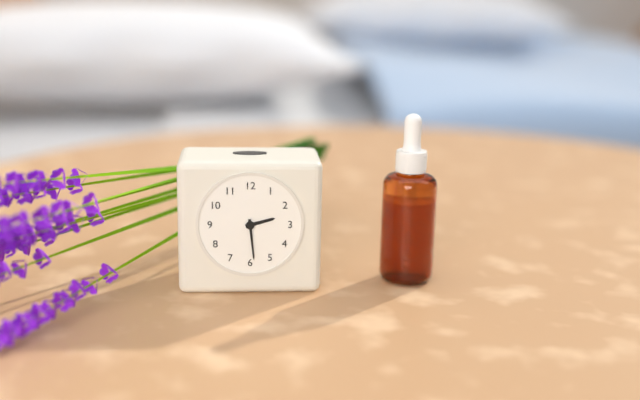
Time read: 2.29
